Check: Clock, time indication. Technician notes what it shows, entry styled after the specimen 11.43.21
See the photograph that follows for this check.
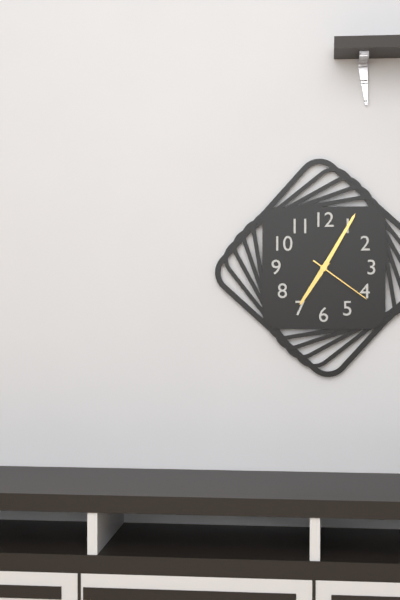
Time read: 7.05.21
